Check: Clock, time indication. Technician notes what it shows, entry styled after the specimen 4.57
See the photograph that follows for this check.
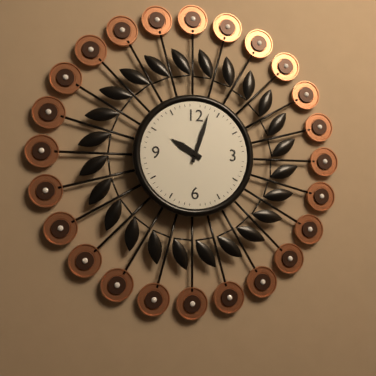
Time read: 10.03
